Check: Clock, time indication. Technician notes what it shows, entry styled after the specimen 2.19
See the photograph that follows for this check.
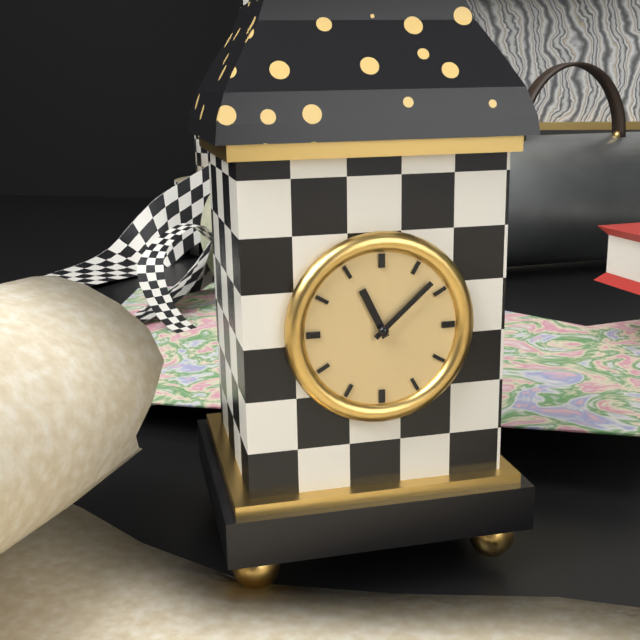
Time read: 11.08
